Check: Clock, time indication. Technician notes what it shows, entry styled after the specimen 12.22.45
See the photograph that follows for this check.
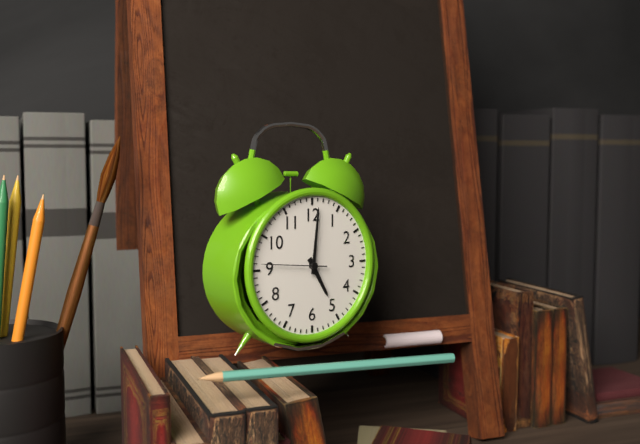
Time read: 5.01.46
